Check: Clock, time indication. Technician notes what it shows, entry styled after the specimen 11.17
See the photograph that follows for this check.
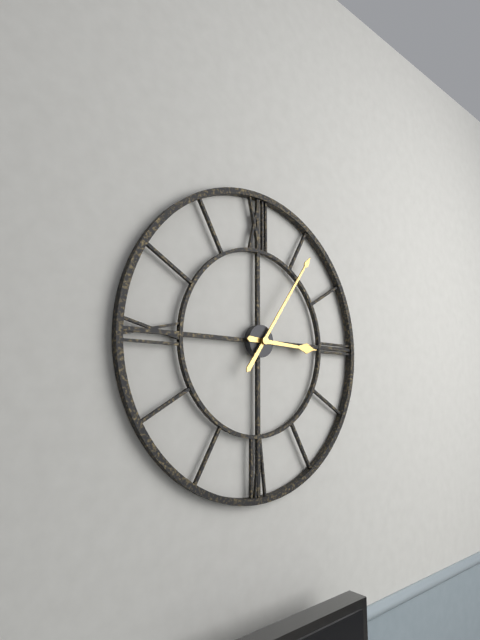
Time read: 3.06
